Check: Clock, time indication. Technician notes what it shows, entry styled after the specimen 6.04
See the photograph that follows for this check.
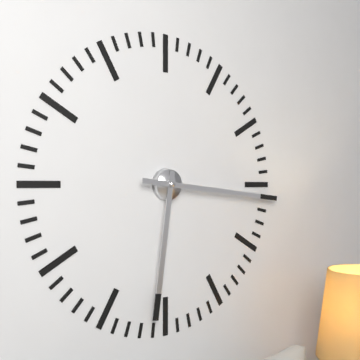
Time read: 6.16
